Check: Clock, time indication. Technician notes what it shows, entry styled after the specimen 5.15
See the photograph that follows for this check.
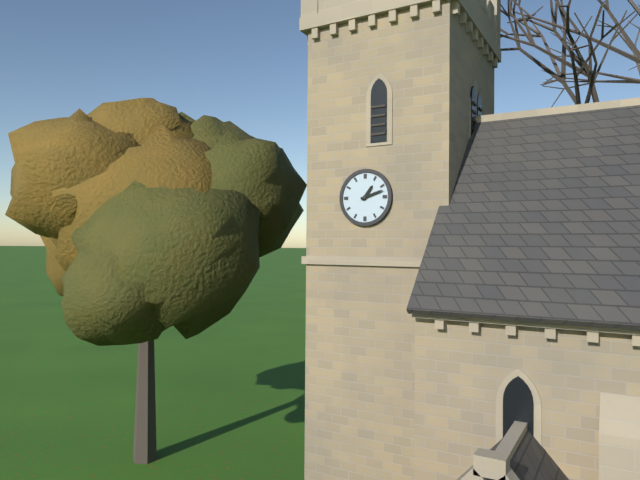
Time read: 1.12
